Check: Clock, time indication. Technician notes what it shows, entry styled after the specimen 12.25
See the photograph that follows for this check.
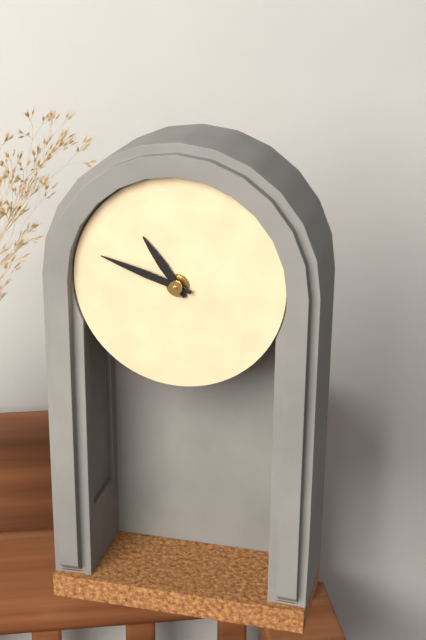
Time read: 10.48
